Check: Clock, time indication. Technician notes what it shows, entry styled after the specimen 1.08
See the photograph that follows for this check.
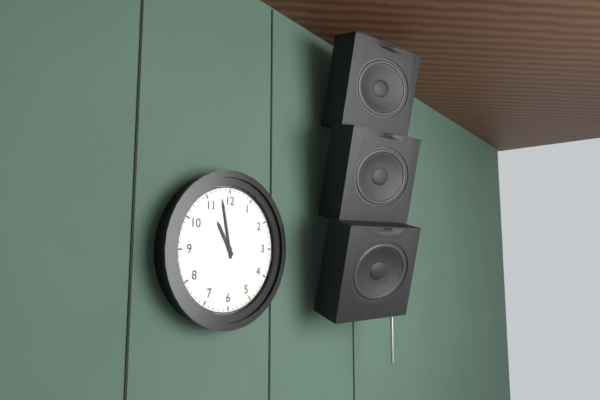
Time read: 10.58
